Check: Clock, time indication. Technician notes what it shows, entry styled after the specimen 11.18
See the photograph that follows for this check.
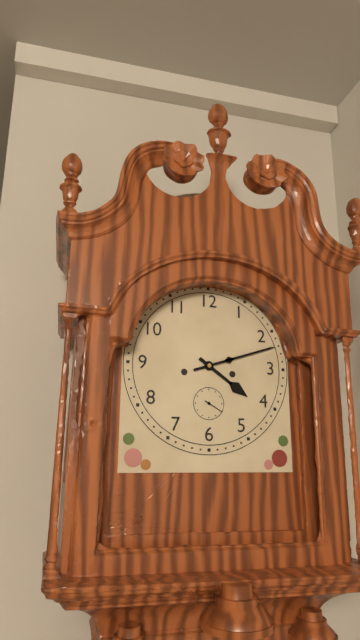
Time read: 4.12
